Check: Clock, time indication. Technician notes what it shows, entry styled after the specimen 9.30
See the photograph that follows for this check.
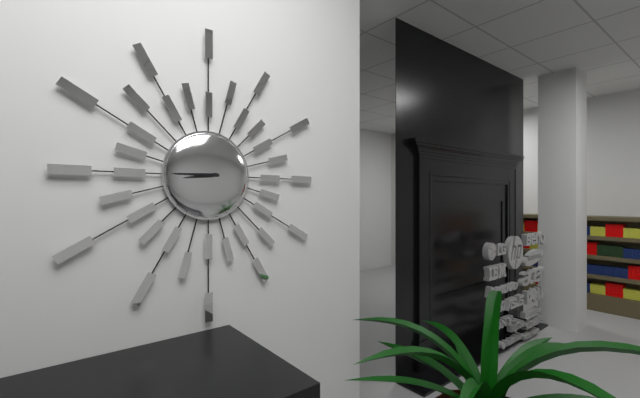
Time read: 8.45
